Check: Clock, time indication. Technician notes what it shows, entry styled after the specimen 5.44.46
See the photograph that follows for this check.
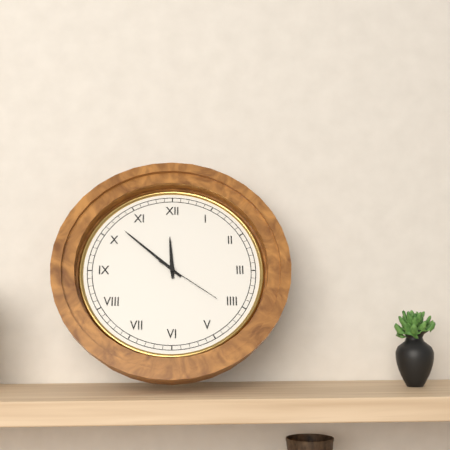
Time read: 11.52.21
